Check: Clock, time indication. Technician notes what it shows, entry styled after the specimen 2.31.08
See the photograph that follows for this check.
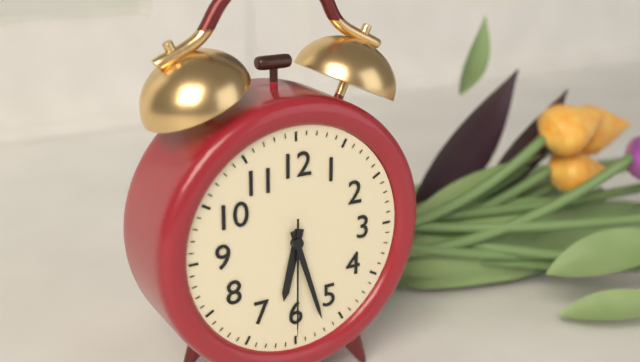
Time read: 6.27.30
